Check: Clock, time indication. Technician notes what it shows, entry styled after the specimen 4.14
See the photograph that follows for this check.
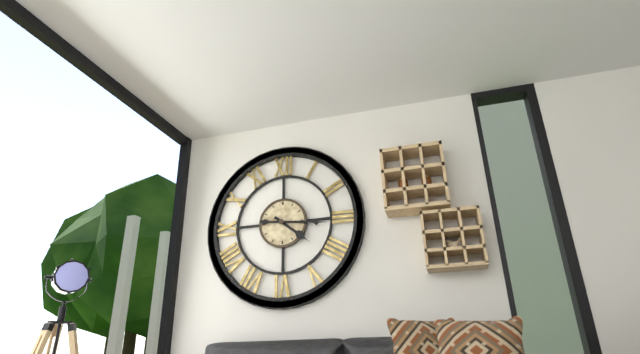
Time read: 4.16
